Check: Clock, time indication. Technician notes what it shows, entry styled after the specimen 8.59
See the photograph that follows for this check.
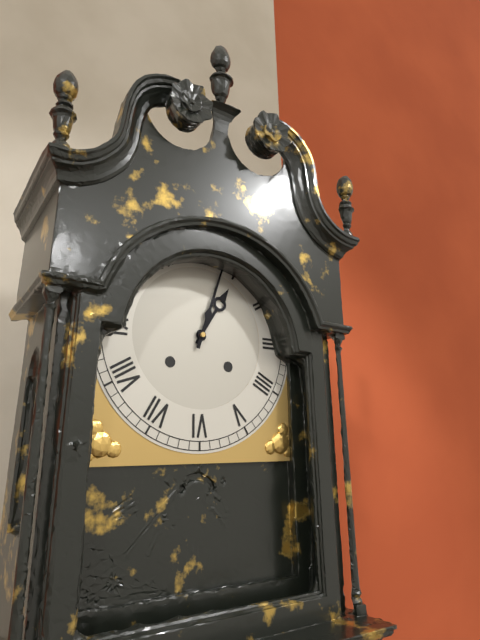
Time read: 1.03
